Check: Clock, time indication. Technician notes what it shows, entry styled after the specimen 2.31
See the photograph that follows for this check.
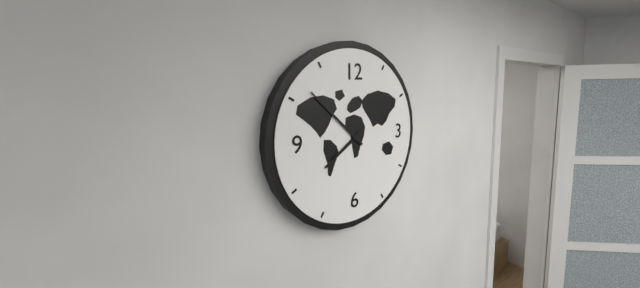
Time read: 7.52
